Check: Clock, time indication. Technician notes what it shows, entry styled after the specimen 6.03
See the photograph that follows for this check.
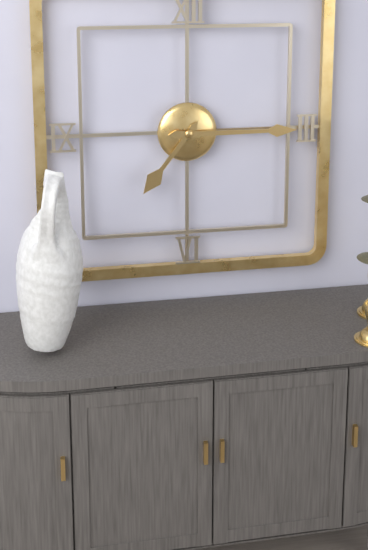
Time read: 7.15
